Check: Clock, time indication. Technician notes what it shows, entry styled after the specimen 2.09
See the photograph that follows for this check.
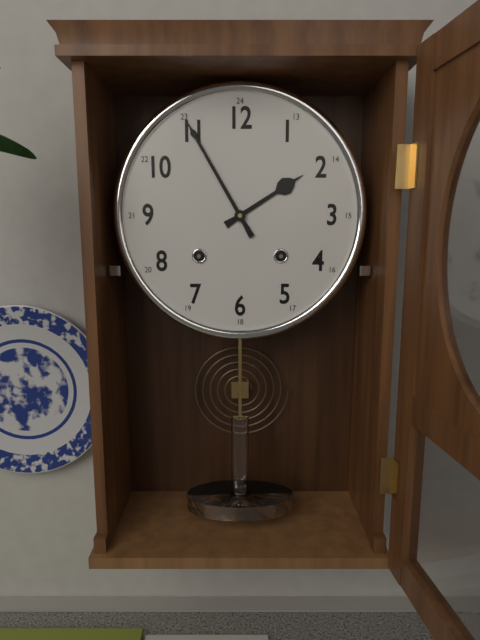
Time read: 1.55
